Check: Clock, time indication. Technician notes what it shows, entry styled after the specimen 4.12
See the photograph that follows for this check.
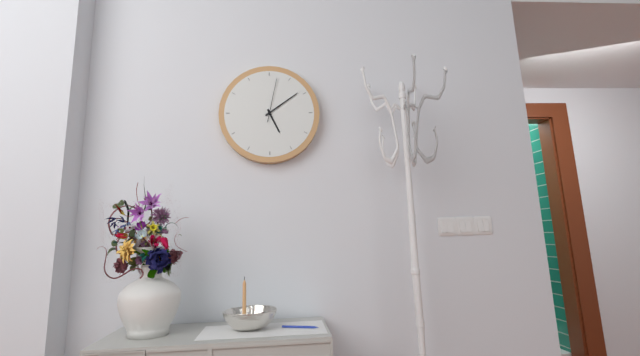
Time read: 5.09
